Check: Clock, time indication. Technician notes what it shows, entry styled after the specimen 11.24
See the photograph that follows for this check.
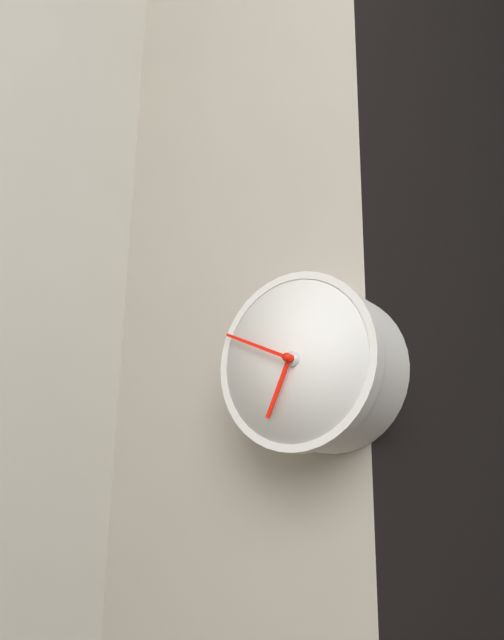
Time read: 6.49
